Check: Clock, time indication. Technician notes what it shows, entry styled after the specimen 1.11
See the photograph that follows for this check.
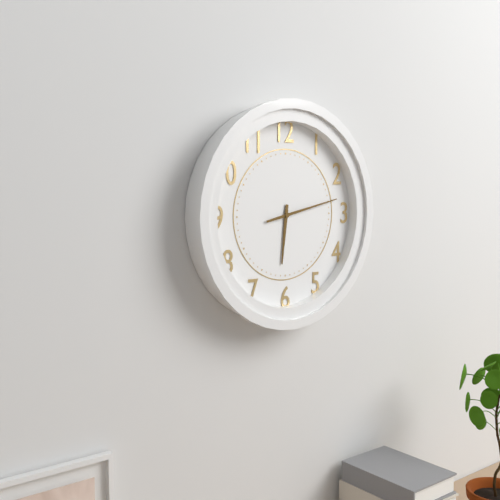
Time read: 6.13
